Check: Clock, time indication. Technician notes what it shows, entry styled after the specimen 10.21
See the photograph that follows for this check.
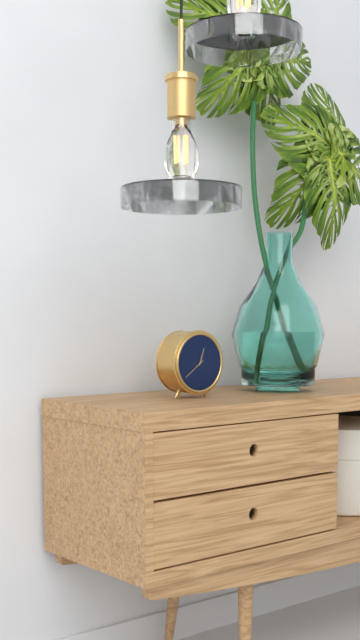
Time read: 12.39
